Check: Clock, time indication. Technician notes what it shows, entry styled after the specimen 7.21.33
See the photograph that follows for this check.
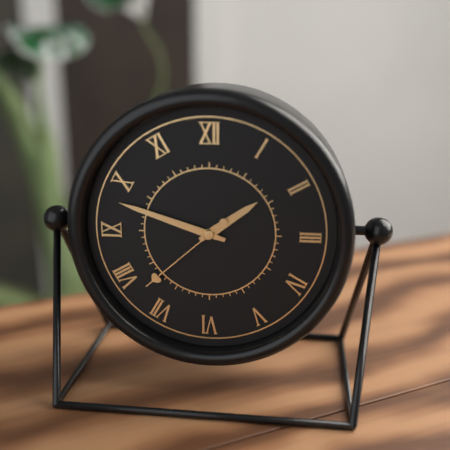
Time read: 1.48.38
